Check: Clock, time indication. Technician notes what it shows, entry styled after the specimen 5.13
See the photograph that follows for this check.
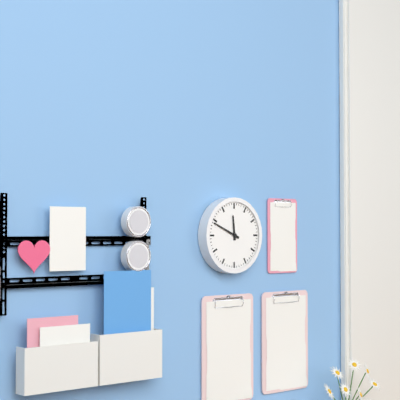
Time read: 11.49
